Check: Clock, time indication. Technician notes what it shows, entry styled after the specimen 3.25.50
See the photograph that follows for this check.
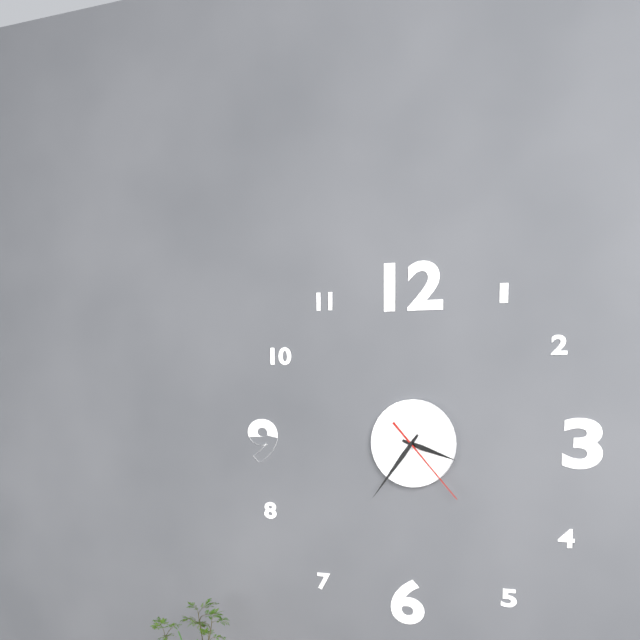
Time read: 3.36.23
